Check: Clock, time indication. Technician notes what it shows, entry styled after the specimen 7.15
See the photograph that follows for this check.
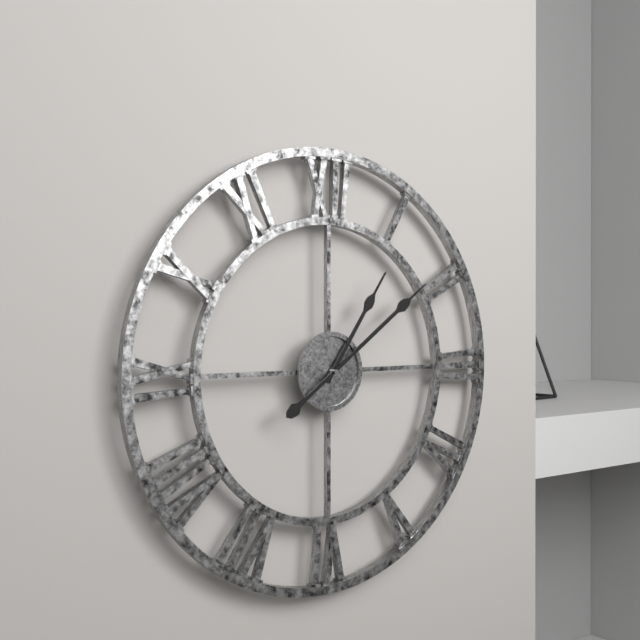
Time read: 1.09
